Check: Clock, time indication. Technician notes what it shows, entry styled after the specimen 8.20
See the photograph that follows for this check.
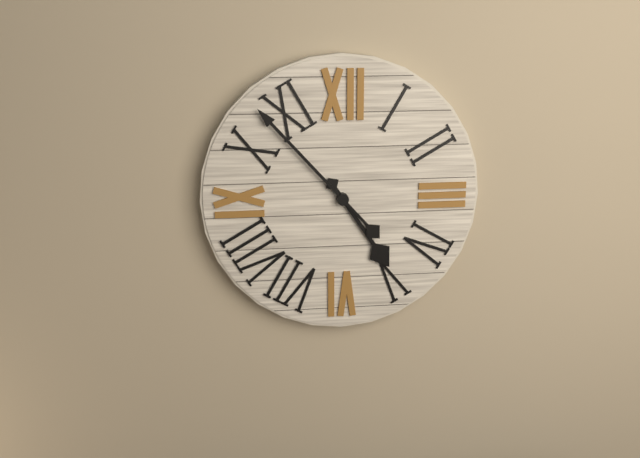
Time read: 4.53
